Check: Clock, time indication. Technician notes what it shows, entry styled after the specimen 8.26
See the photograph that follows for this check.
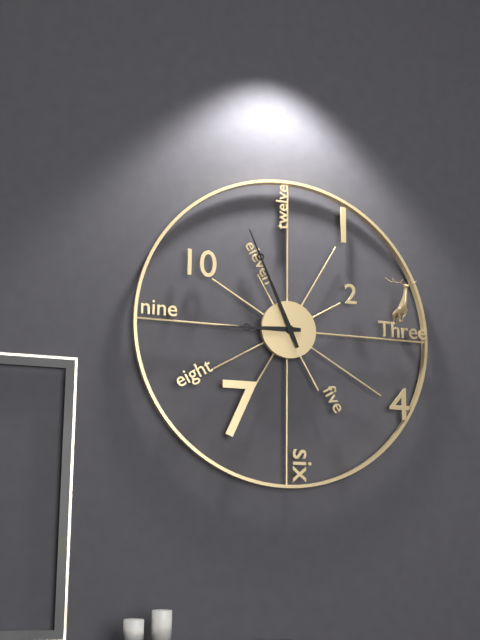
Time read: 8.56
